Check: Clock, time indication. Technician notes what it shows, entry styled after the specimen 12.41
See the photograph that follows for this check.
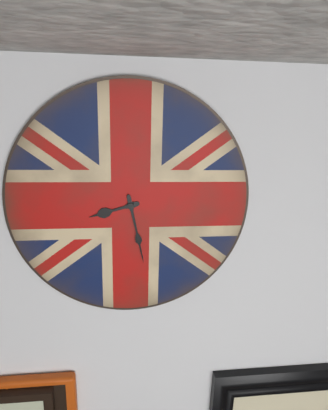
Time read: 8.28
